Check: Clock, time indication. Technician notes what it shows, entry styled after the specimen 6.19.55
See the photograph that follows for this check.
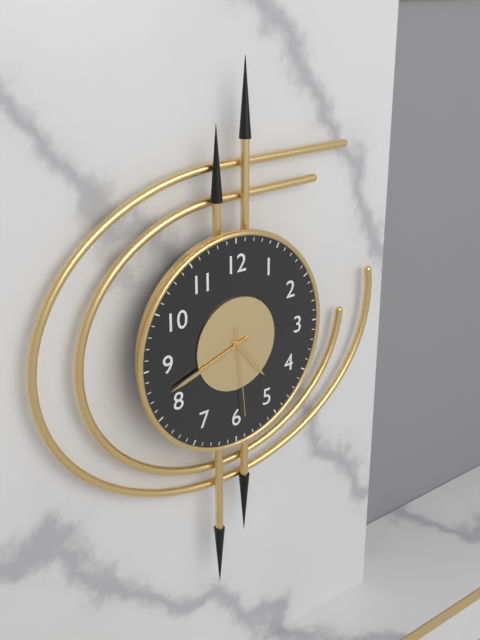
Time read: 4.42.29
